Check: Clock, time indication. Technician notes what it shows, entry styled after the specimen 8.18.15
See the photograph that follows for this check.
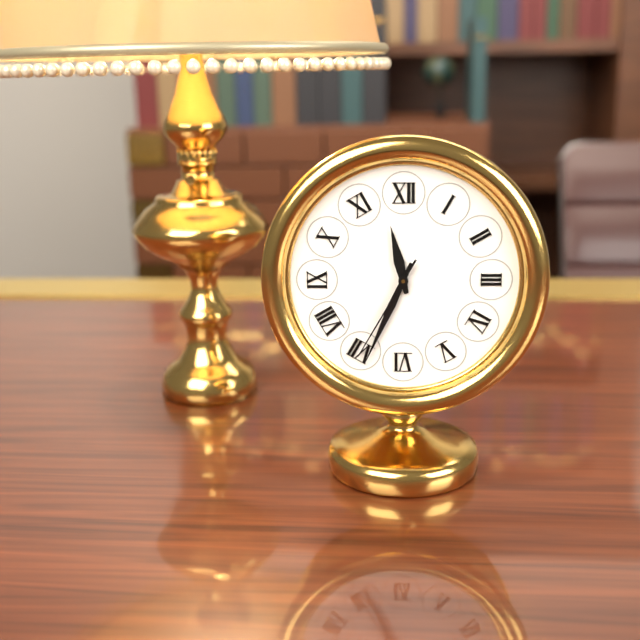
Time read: 11.34.35
